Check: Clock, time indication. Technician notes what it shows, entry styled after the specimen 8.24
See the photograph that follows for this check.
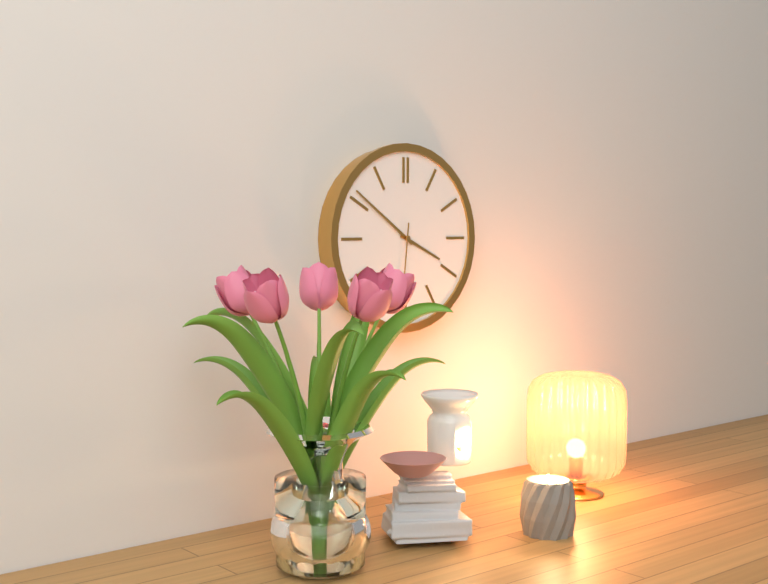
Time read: 3.51
